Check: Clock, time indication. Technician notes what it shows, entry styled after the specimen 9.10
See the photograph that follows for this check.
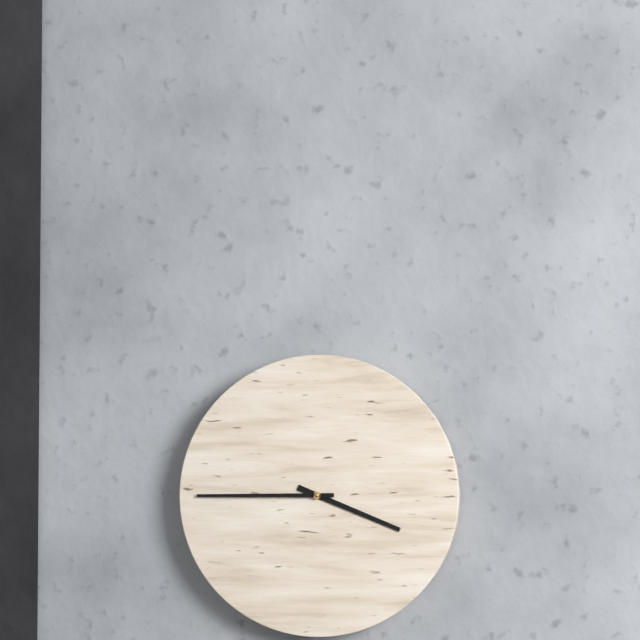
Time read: 3.45
